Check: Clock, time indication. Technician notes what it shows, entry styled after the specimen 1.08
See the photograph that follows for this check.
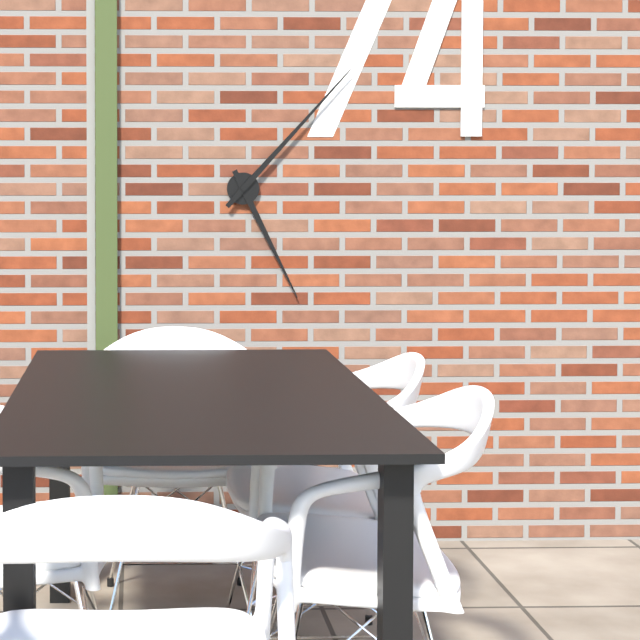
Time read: 5.07
